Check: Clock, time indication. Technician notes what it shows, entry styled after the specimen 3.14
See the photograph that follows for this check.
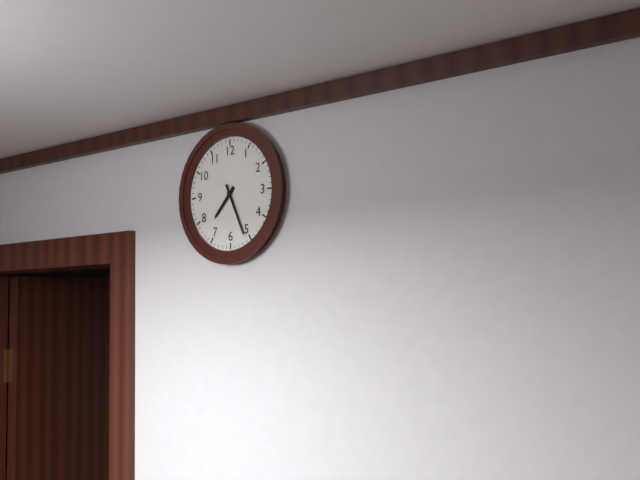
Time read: 7.26
